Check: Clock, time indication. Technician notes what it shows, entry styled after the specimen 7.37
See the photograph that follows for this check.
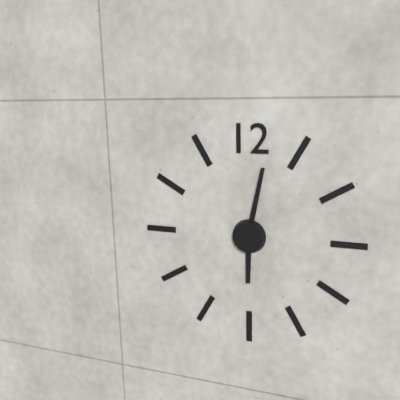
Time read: 6.02
